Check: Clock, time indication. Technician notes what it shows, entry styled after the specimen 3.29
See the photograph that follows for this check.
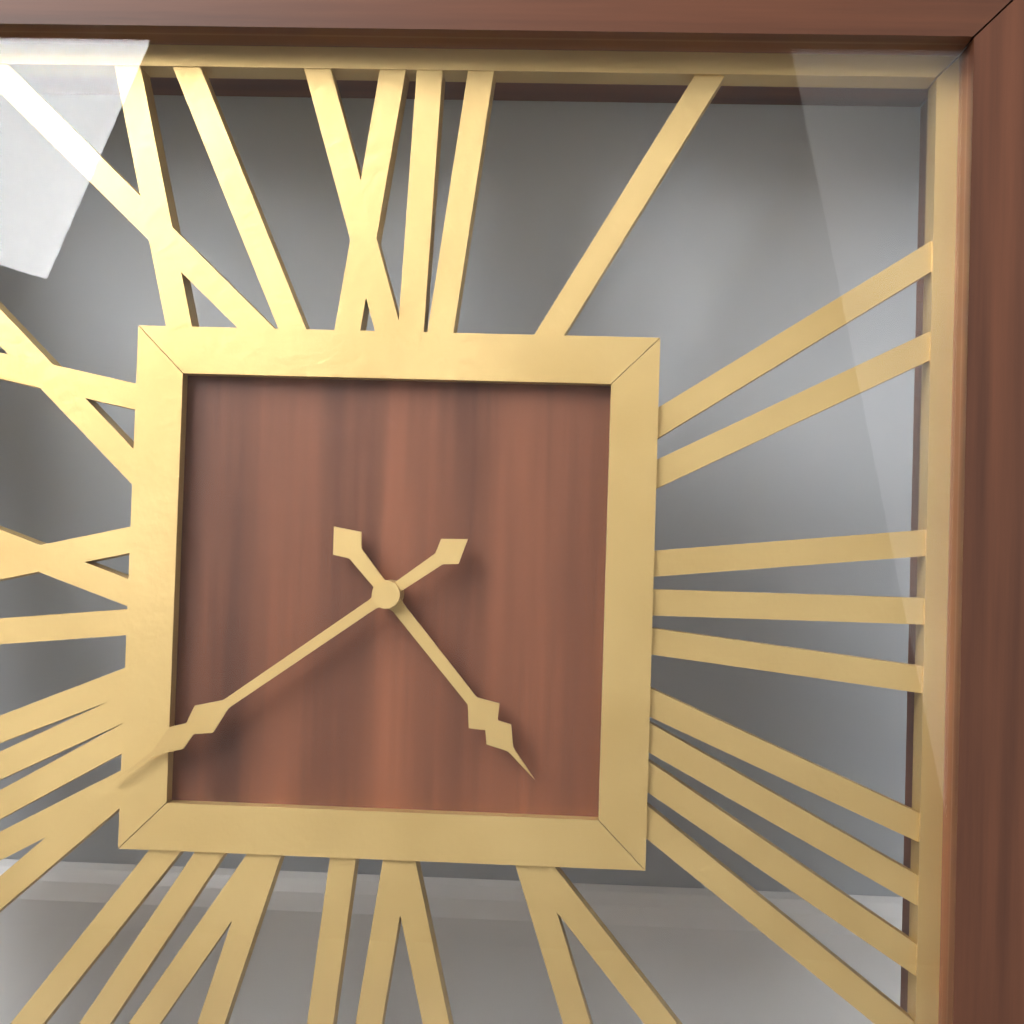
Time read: 4.39
